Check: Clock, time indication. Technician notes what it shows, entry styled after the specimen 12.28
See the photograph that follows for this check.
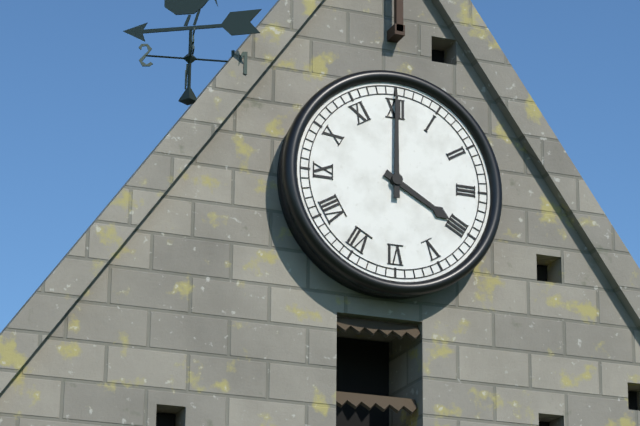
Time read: 4.00
